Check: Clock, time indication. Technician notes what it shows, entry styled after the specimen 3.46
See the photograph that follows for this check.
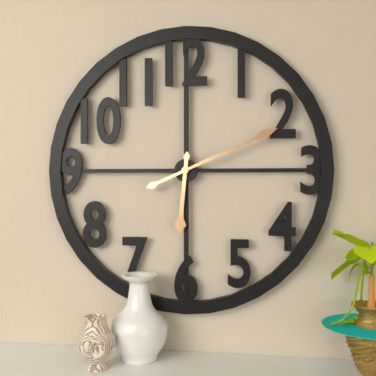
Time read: 6.11
